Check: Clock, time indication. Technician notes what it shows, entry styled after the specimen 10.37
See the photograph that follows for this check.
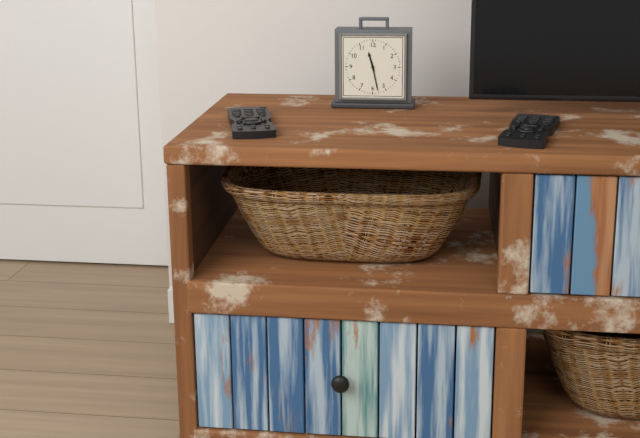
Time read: 11.28
